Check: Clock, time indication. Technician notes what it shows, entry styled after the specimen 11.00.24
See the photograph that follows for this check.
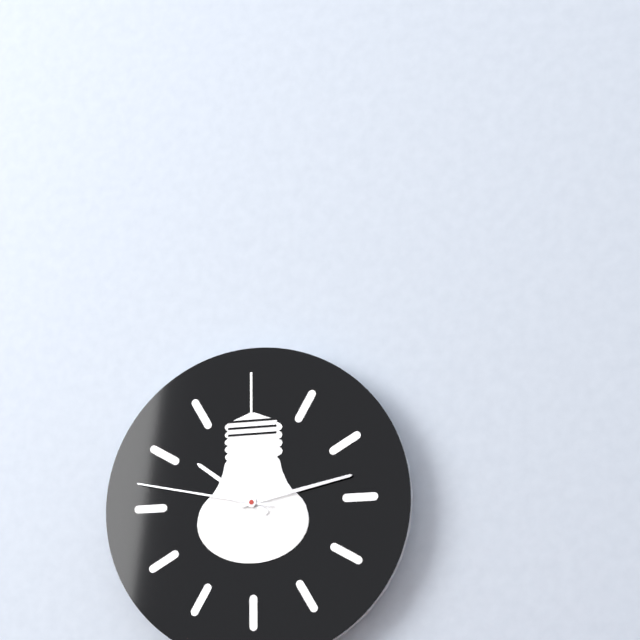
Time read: 10.13.47
